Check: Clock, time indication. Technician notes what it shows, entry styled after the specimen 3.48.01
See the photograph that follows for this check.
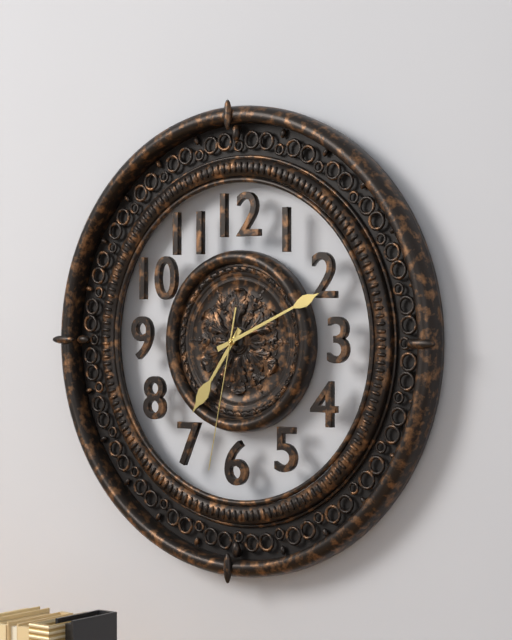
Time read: 7.11.32
